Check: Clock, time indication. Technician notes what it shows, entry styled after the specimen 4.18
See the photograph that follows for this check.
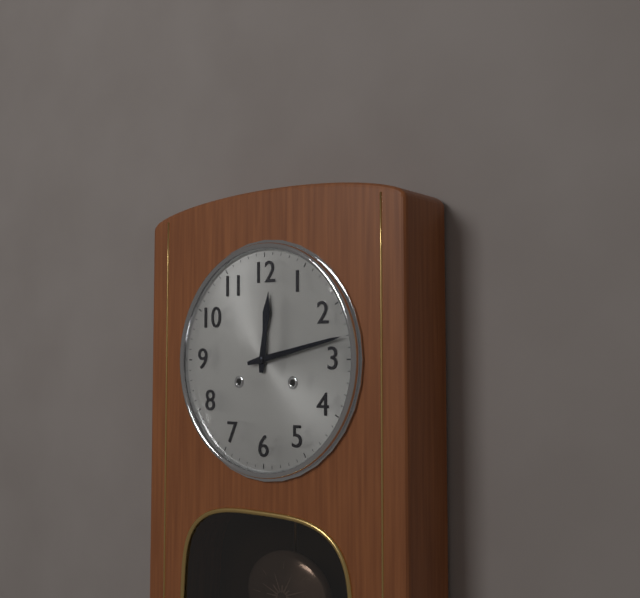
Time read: 12.13
